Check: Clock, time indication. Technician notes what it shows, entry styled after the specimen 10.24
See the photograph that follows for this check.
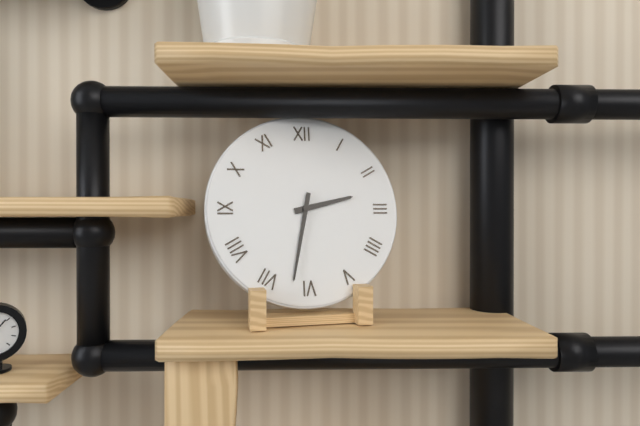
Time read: 2.32
